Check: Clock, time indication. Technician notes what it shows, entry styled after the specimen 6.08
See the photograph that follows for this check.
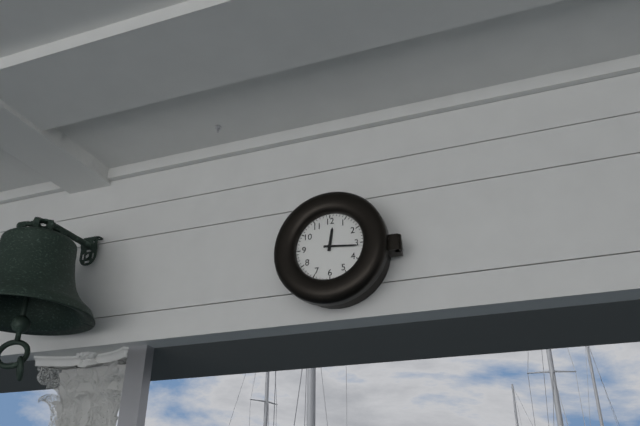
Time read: 12.16
